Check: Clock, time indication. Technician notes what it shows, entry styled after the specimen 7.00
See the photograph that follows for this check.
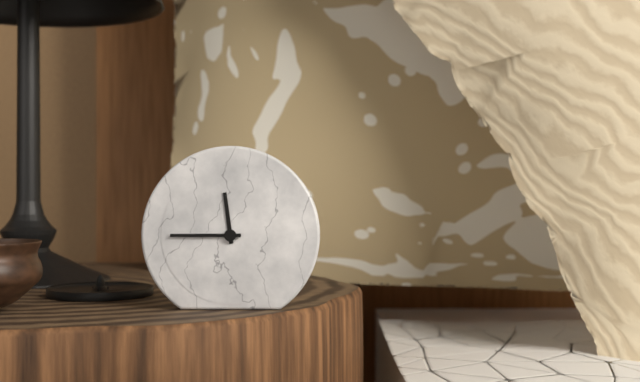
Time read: 11.45
